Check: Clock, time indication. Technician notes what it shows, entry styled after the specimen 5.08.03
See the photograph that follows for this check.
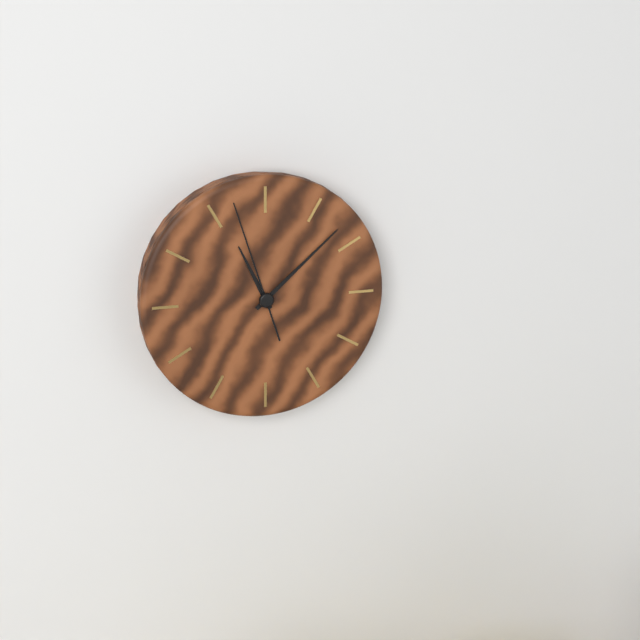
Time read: 11.08.57
